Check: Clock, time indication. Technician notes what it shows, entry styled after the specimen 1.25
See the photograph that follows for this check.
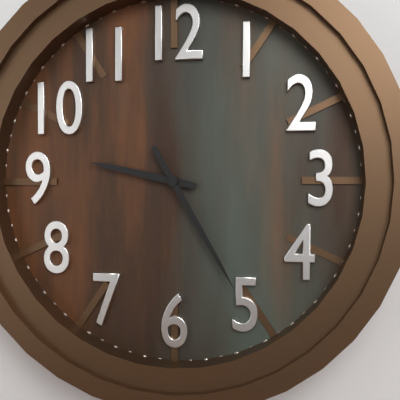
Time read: 9.25
